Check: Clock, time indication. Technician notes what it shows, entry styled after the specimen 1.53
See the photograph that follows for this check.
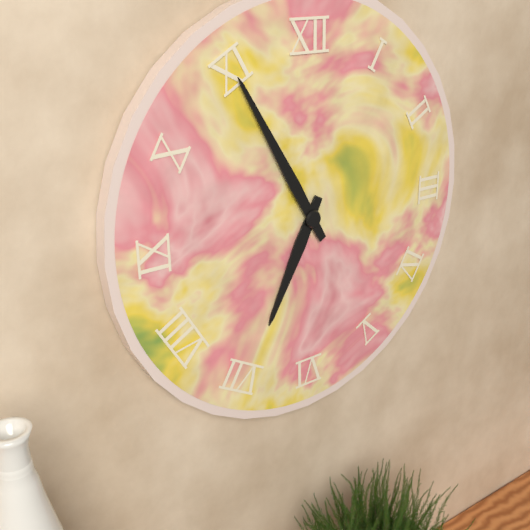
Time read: 6.55
